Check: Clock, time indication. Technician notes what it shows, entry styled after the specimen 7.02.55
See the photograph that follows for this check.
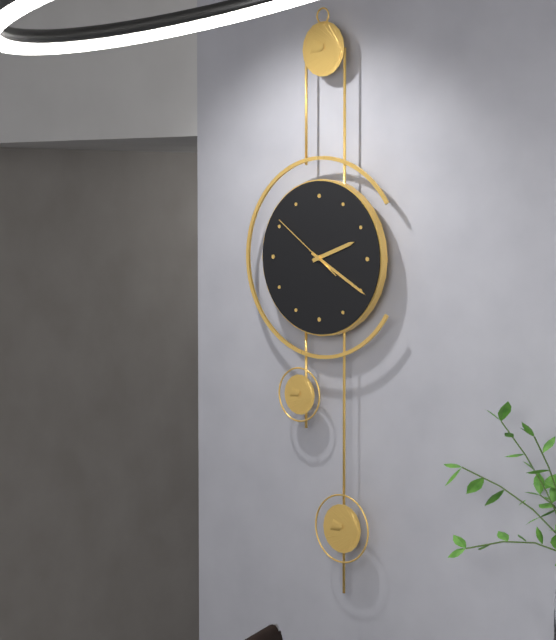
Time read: 2.20.51
